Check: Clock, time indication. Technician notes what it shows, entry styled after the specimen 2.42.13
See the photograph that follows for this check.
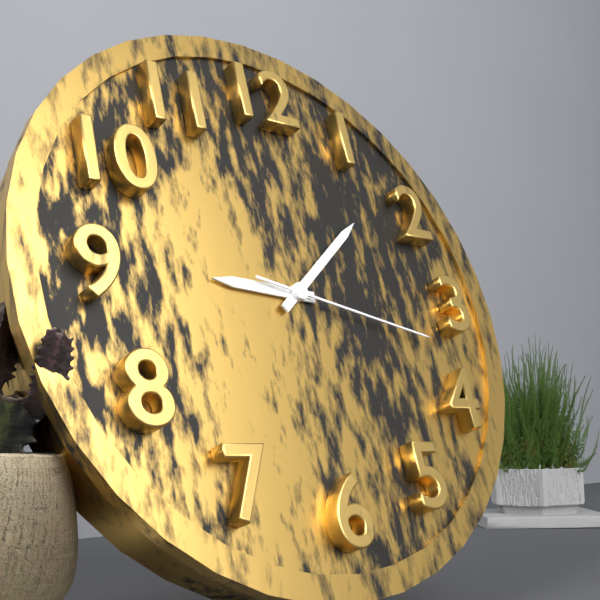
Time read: 9.08.17
